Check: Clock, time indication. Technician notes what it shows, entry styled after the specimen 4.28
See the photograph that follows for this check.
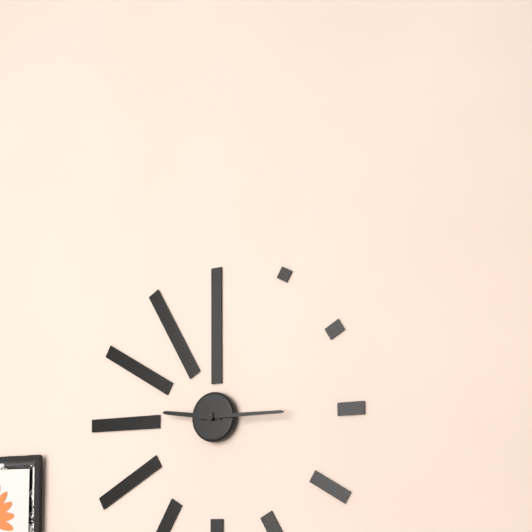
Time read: 9.15
